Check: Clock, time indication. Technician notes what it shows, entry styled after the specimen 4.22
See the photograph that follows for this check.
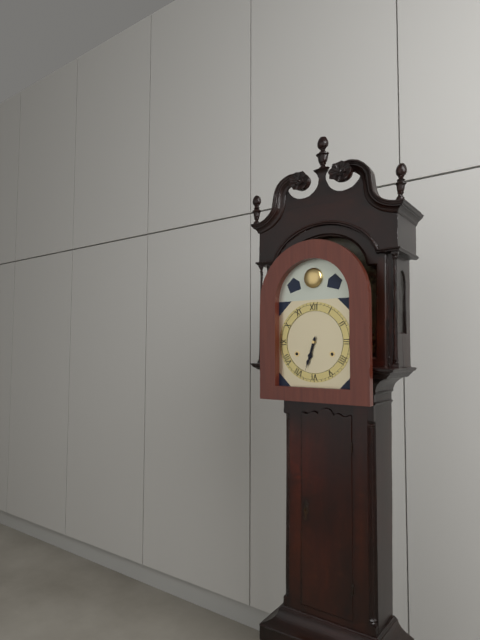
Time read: 6.33
